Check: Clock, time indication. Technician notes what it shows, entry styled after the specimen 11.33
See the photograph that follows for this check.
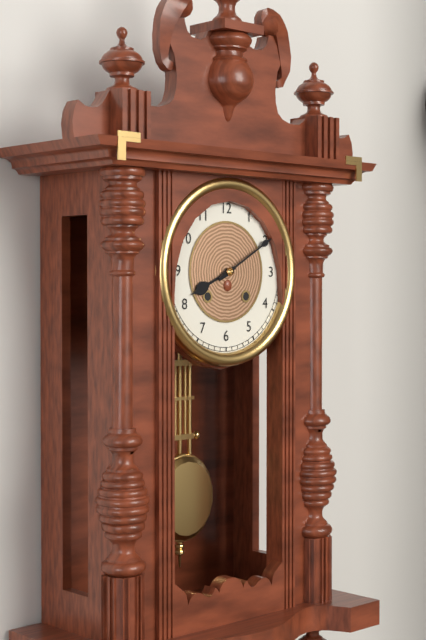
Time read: 8.10
